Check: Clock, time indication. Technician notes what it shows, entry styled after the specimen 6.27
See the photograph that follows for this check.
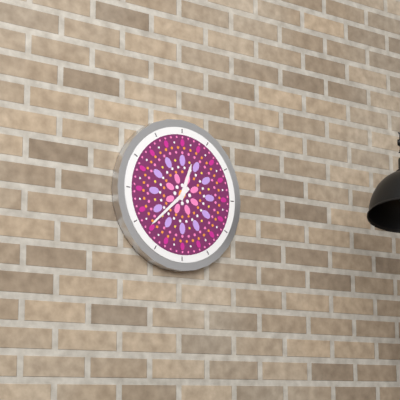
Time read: 12.38
